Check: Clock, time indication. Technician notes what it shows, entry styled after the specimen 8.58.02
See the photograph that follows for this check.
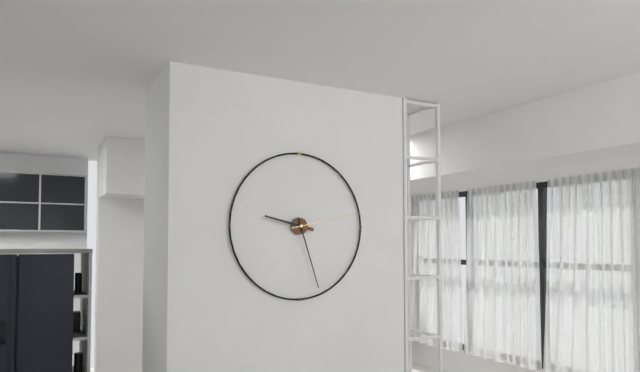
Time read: 9.27.13
